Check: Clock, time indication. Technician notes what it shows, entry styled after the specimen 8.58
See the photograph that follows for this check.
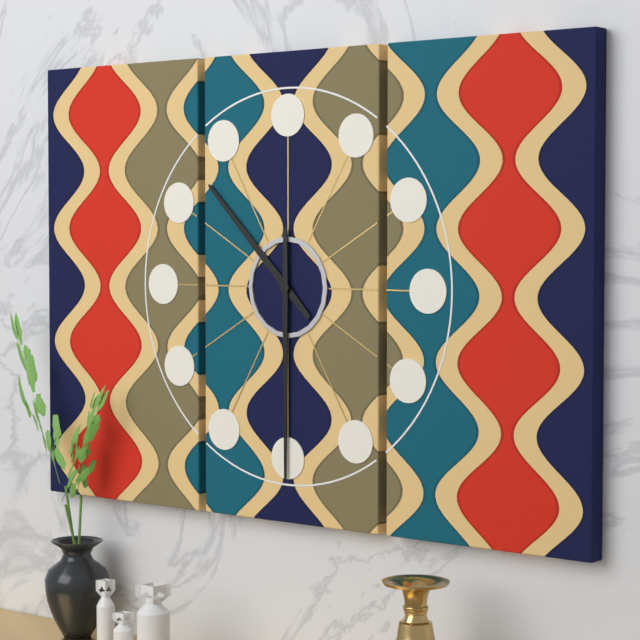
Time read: 10.30
